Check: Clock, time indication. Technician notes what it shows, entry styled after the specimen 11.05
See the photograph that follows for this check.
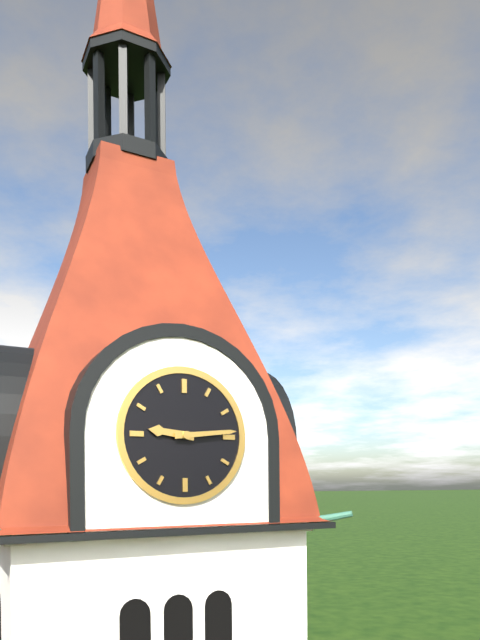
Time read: 9.14
